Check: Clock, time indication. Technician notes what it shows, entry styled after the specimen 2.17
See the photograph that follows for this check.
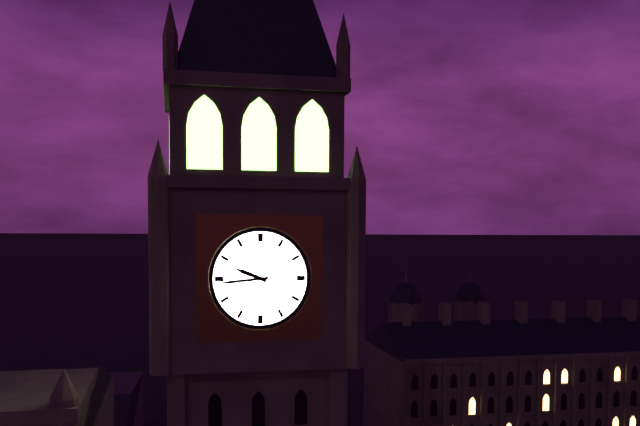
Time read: 9.44
